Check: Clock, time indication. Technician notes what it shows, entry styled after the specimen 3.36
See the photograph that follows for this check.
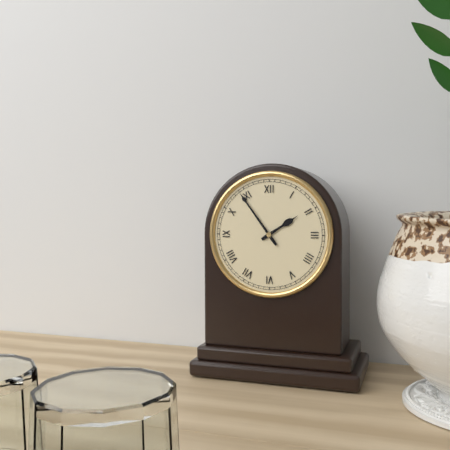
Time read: 1.54
